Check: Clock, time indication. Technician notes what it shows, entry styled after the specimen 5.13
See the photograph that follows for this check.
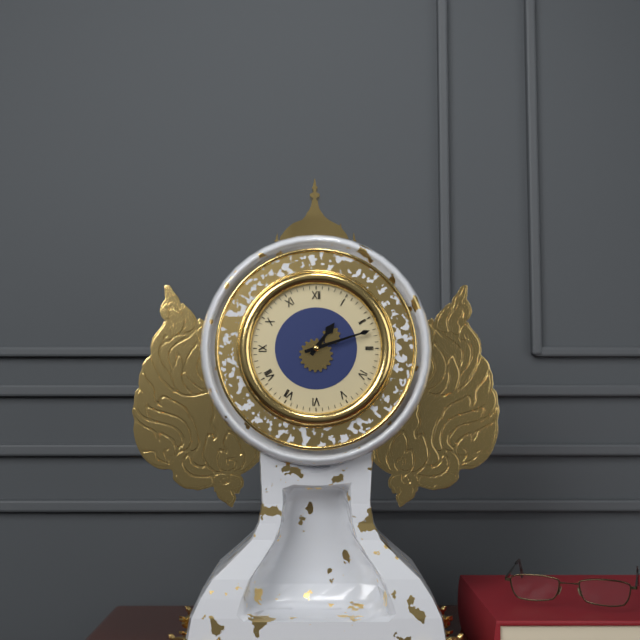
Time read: 1.12
